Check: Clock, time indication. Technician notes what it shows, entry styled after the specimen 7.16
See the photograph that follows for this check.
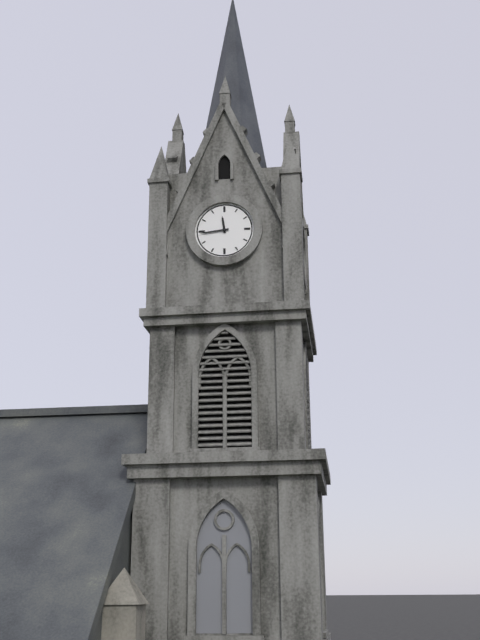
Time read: 11.44
